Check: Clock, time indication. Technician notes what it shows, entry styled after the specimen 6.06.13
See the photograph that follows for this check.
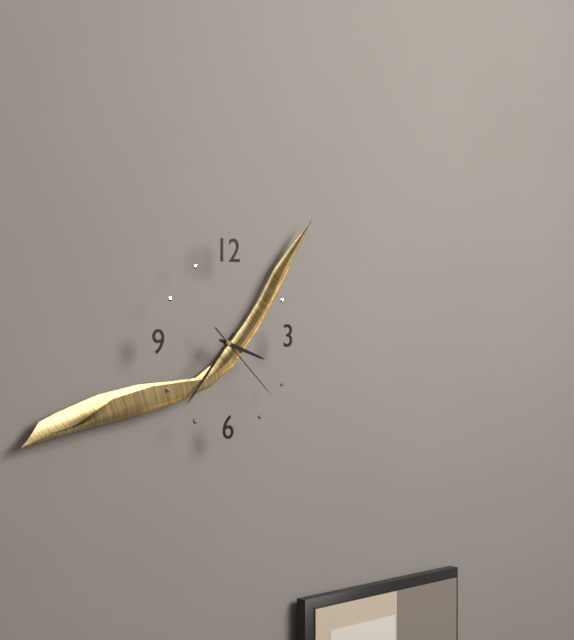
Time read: 3.37.22
